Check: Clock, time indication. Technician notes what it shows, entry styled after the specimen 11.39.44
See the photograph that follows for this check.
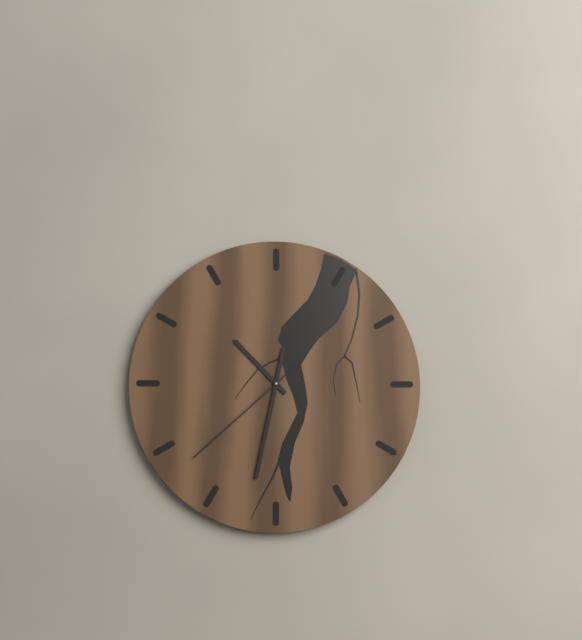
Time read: 10.32.38
